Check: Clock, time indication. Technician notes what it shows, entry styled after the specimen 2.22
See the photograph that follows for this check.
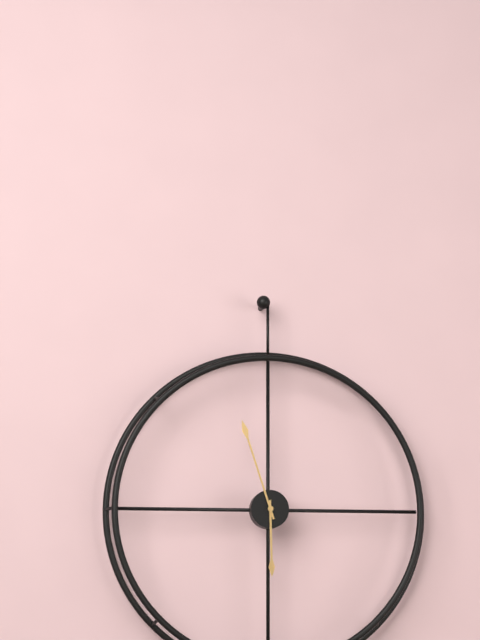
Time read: 5.57
